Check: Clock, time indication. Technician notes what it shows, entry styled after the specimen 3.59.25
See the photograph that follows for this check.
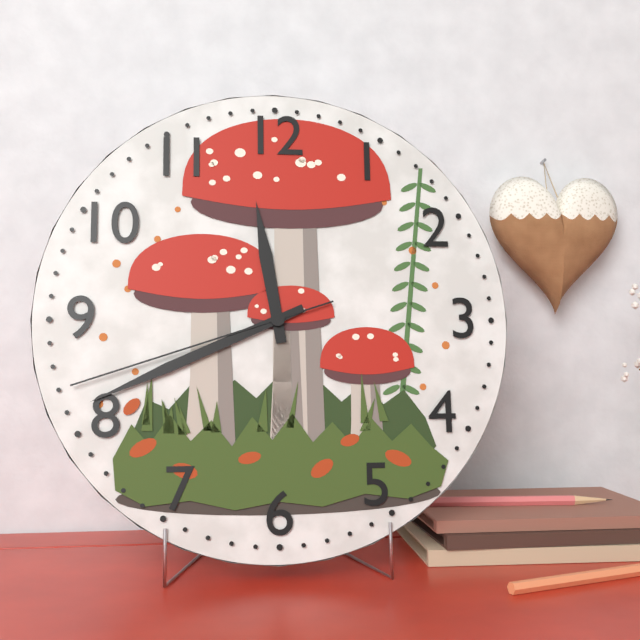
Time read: 11.41.42
